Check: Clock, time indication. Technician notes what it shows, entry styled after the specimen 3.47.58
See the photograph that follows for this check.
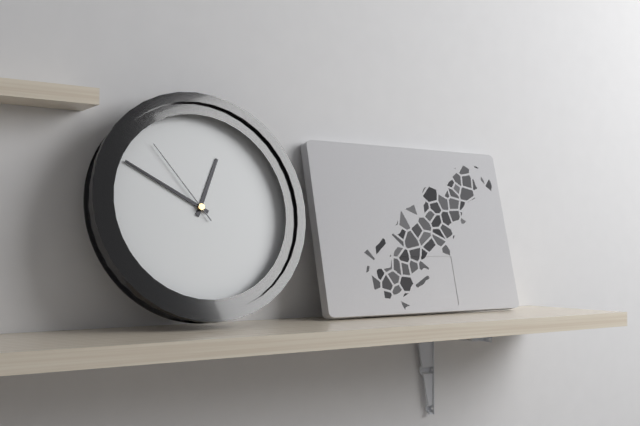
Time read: 12.50.54
